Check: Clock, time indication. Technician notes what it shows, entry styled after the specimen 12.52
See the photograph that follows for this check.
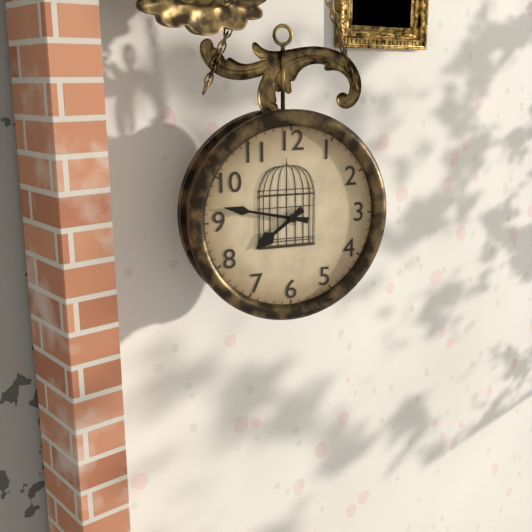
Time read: 7.47
